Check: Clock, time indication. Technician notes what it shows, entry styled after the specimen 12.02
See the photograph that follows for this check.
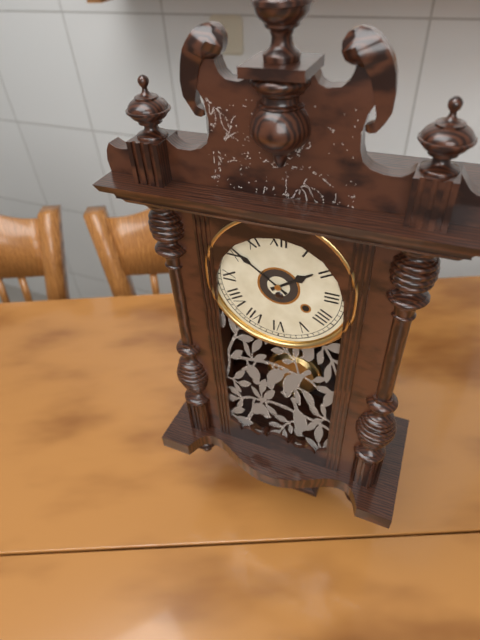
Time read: 1.51
